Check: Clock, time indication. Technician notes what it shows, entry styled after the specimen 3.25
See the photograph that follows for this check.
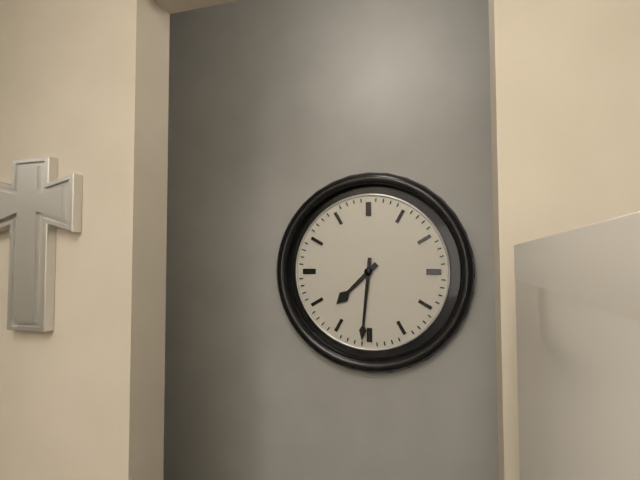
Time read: 7.31
